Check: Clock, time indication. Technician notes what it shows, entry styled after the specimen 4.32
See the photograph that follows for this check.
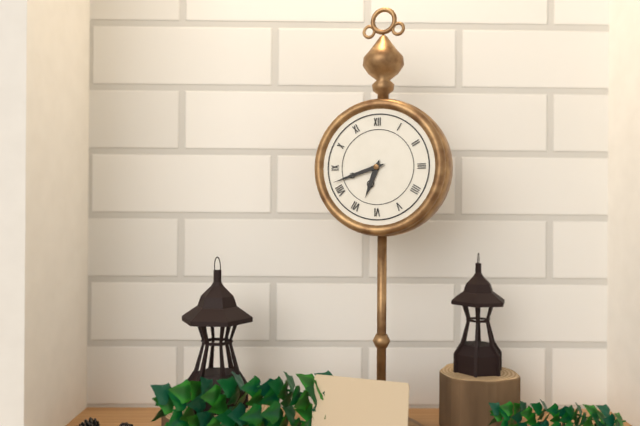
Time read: 6.42
